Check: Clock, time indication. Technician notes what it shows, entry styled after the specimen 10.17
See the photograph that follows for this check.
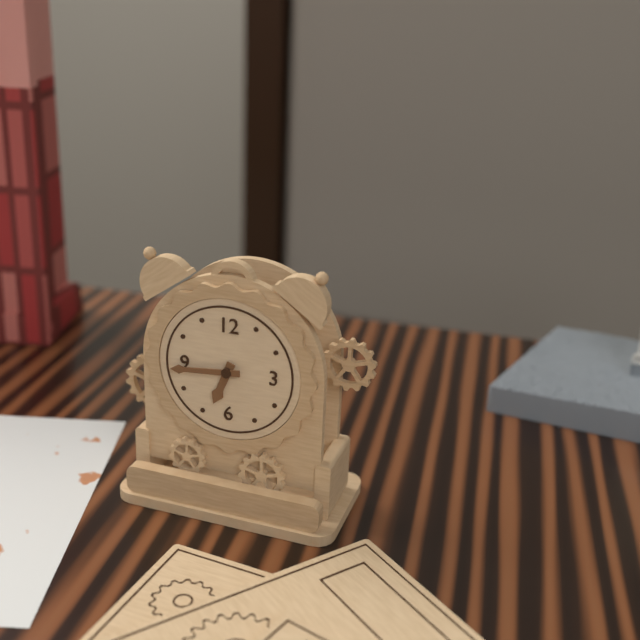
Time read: 6.44
